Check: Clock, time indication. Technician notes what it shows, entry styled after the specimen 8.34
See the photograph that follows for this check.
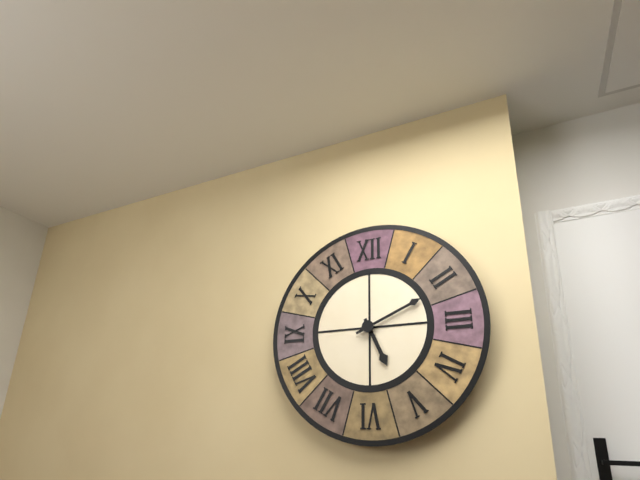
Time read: 5.11
